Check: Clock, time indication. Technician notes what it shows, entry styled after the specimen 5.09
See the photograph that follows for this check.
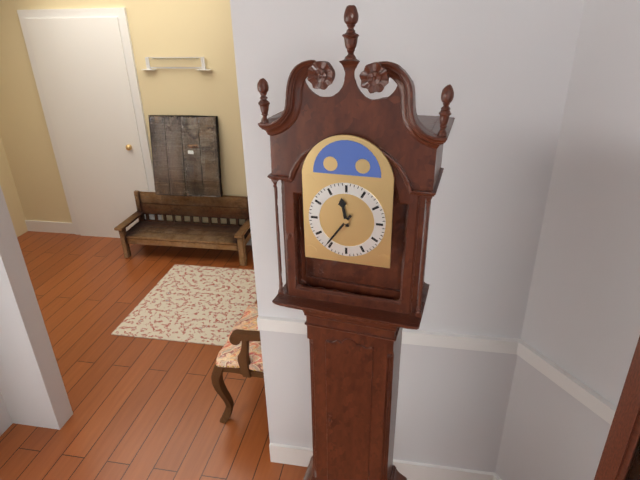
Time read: 11.36
